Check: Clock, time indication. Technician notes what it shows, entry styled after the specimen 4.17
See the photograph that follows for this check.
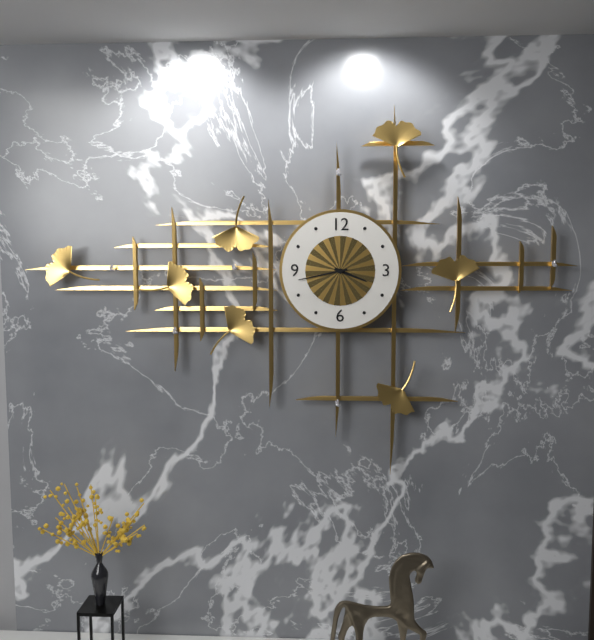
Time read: 3.43
